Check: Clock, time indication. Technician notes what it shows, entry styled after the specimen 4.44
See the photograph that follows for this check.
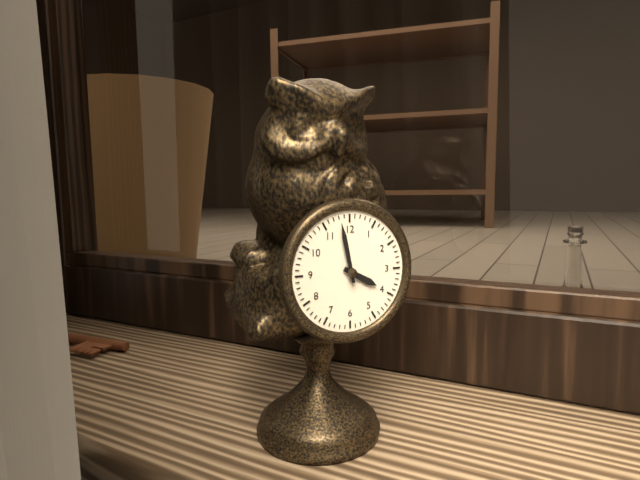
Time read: 3.58
